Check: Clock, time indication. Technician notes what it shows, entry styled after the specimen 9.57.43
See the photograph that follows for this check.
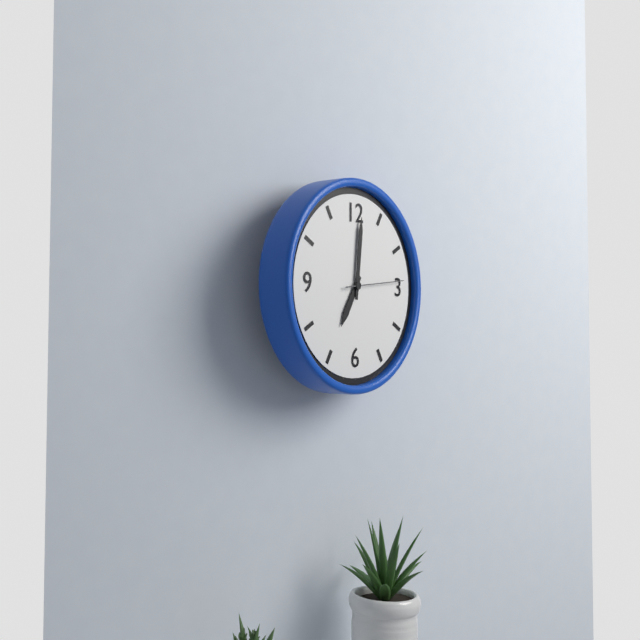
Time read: 7.01.14
